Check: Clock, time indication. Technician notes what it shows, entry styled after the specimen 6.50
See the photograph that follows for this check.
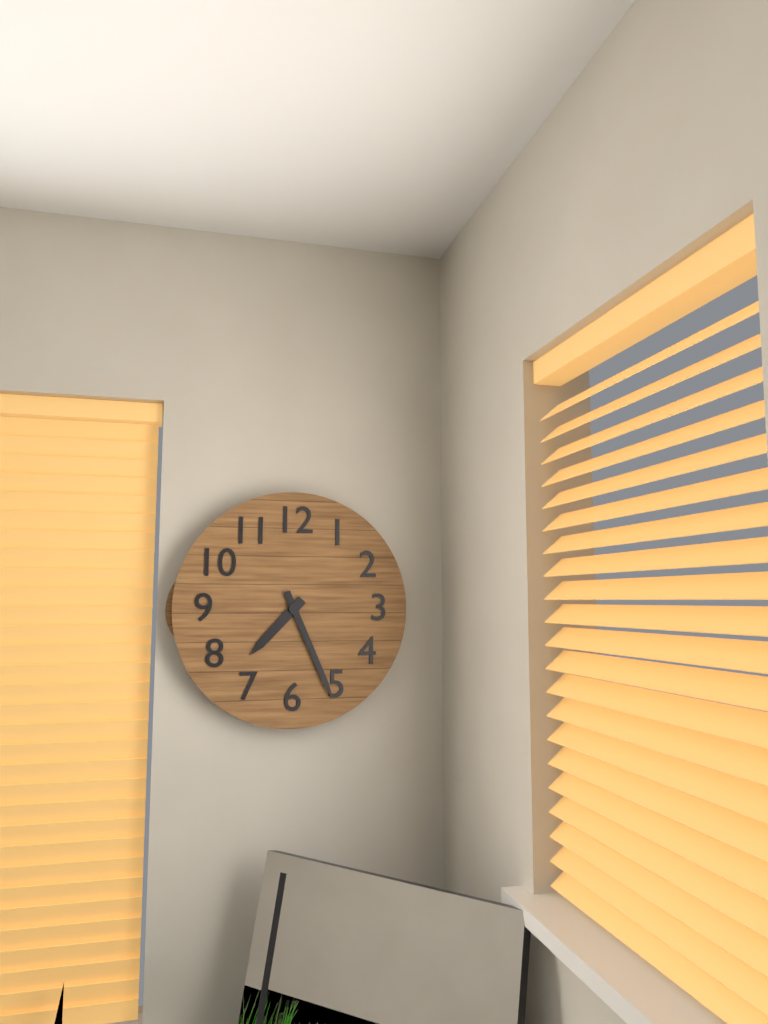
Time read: 7.26
